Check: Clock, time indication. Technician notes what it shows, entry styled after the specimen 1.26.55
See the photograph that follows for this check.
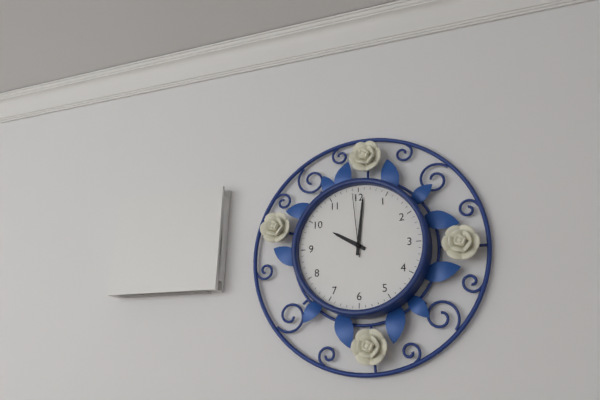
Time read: 10.01.59
